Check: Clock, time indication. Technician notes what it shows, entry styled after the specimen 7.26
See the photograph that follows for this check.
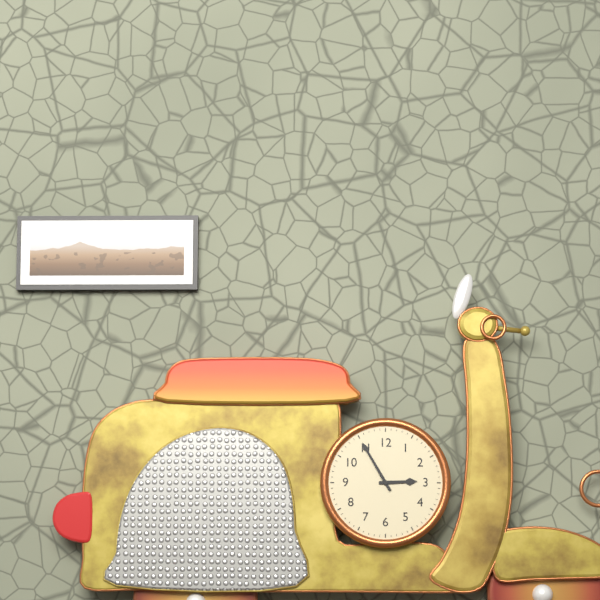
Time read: 2.55
